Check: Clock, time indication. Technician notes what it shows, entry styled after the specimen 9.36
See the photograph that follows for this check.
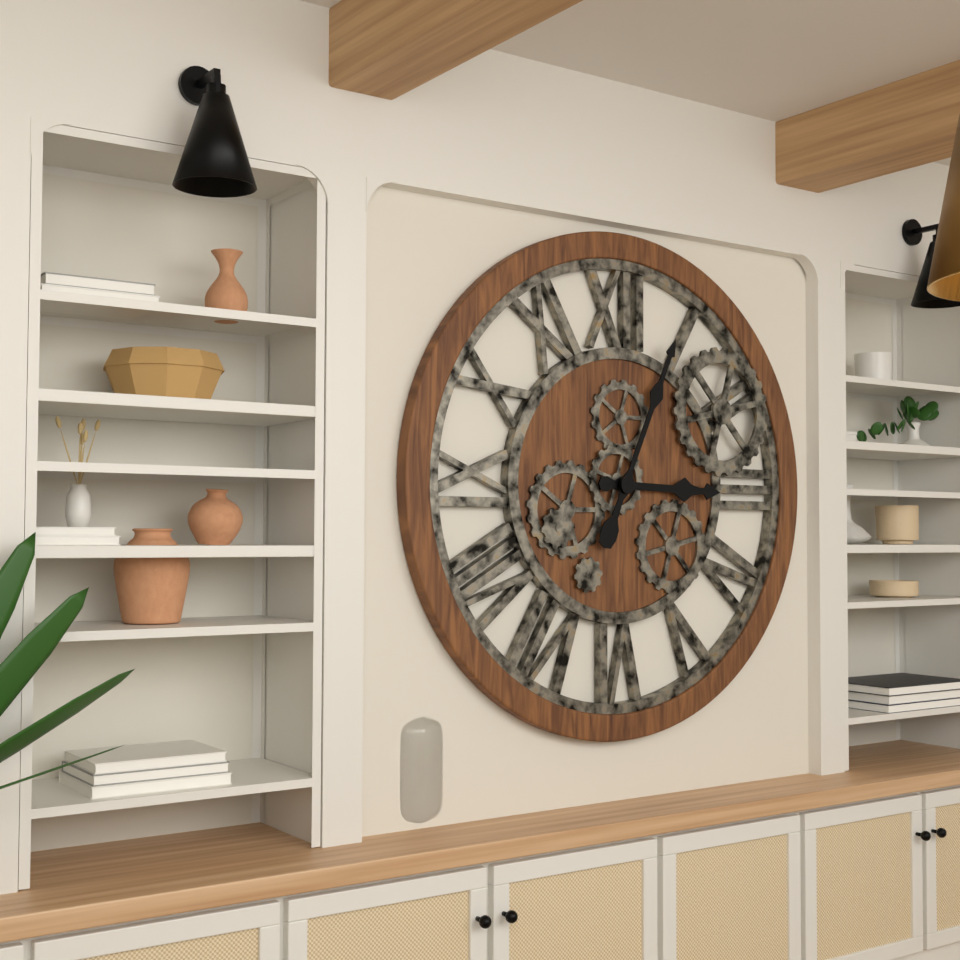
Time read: 3.04
